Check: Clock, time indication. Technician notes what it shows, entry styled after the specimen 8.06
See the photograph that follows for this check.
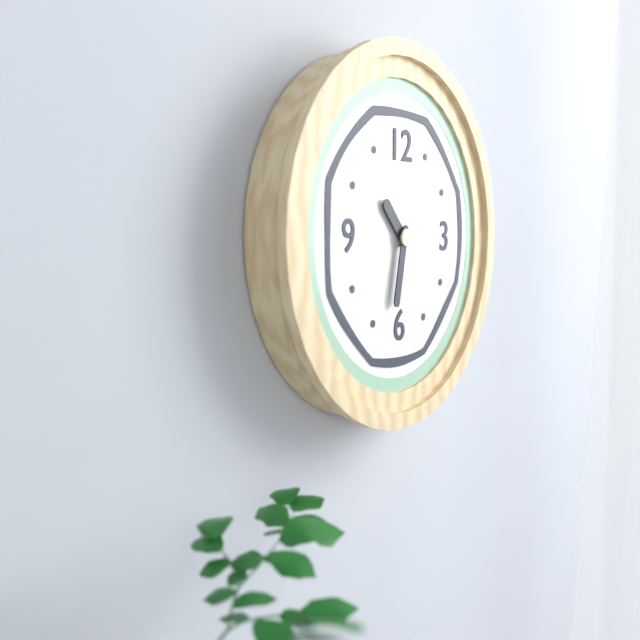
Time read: 10.32
